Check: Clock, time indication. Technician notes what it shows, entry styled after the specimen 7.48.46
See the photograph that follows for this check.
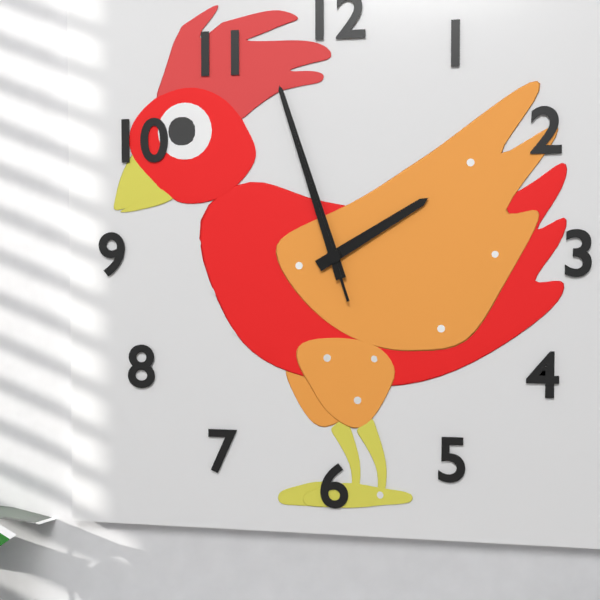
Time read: 1.57.57
